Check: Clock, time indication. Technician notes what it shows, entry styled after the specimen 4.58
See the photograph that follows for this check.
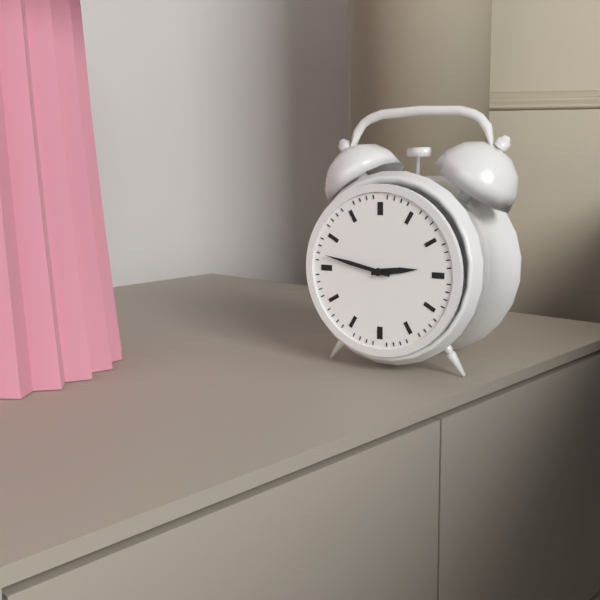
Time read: 2.47
